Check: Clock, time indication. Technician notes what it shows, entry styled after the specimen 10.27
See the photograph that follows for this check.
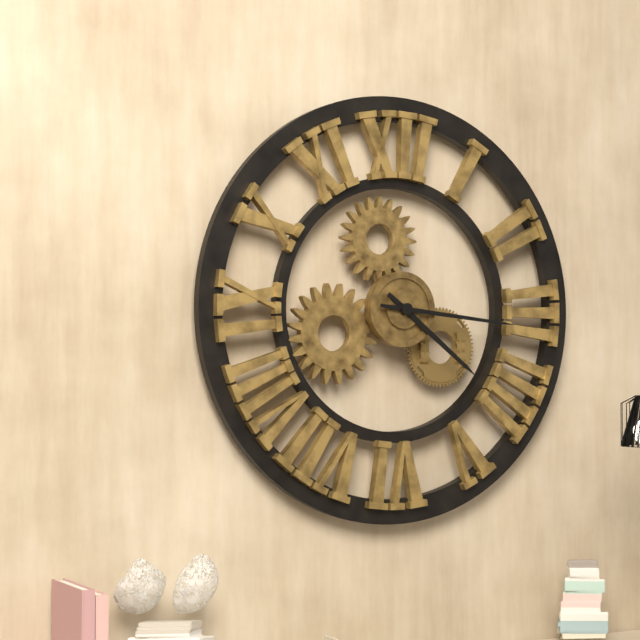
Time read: 4.16
